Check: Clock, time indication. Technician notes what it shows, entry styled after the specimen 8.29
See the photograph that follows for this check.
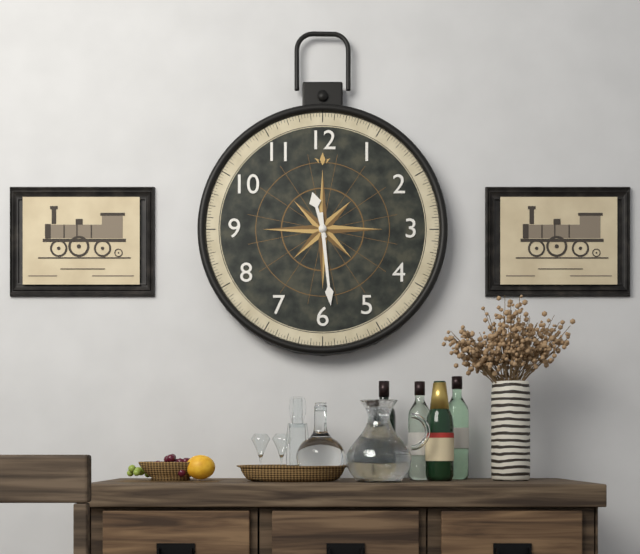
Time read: 11.29
